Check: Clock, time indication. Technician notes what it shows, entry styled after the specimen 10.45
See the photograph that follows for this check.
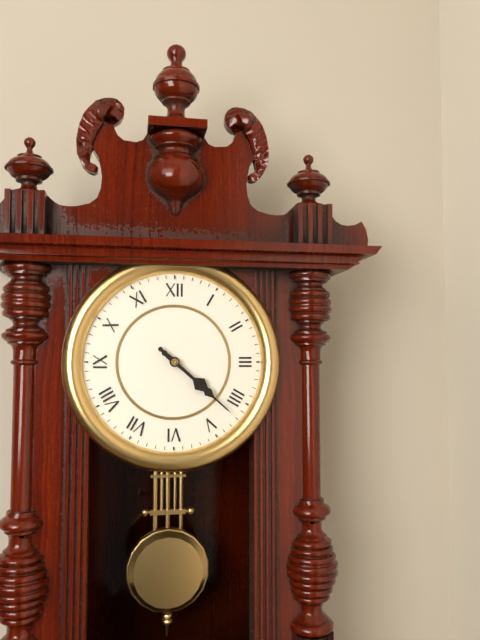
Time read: 4.22
